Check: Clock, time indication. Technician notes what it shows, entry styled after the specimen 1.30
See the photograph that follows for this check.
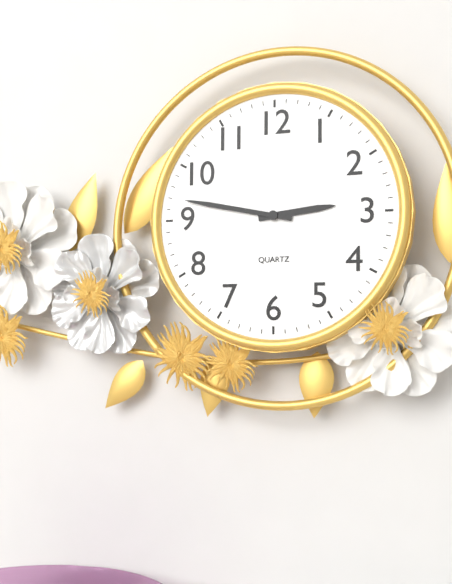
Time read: 2.47
